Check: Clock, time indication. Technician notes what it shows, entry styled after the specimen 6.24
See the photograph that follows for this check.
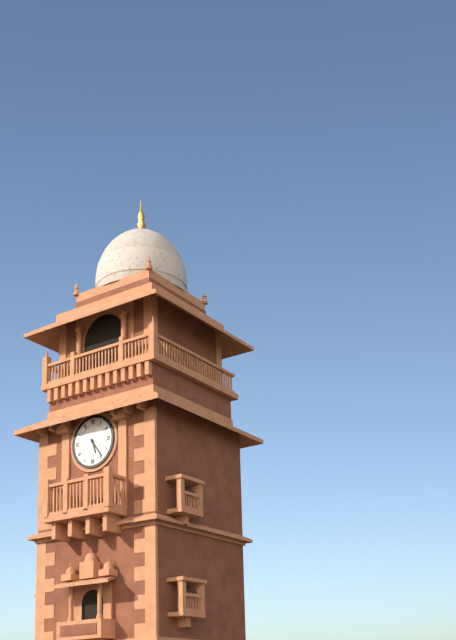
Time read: 5.24
